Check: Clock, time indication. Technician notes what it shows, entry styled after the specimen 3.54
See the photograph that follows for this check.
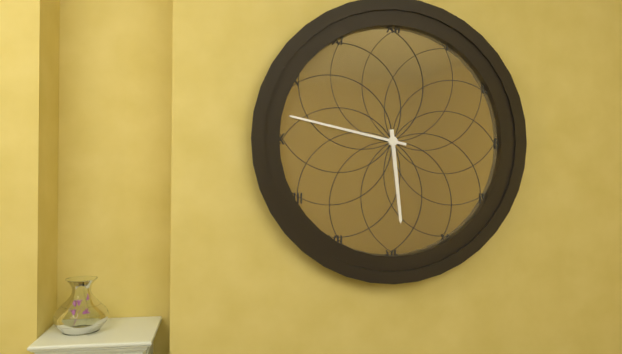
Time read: 5.47
